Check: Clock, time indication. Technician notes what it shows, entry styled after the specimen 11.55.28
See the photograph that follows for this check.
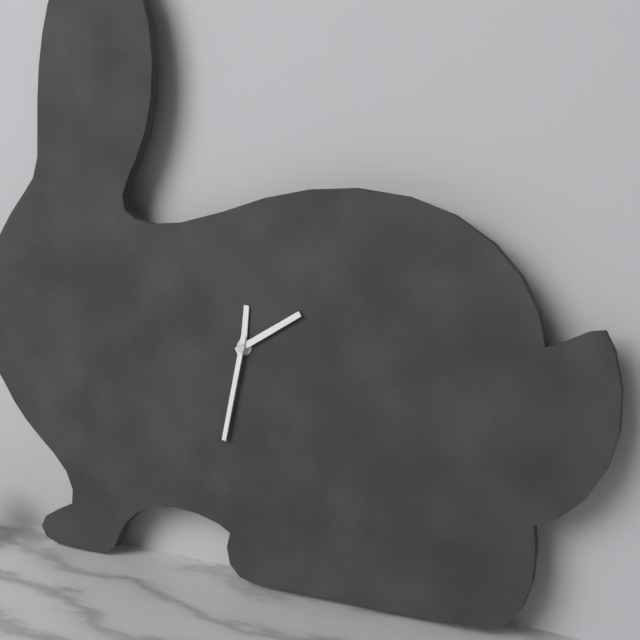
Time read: 12.10.32
